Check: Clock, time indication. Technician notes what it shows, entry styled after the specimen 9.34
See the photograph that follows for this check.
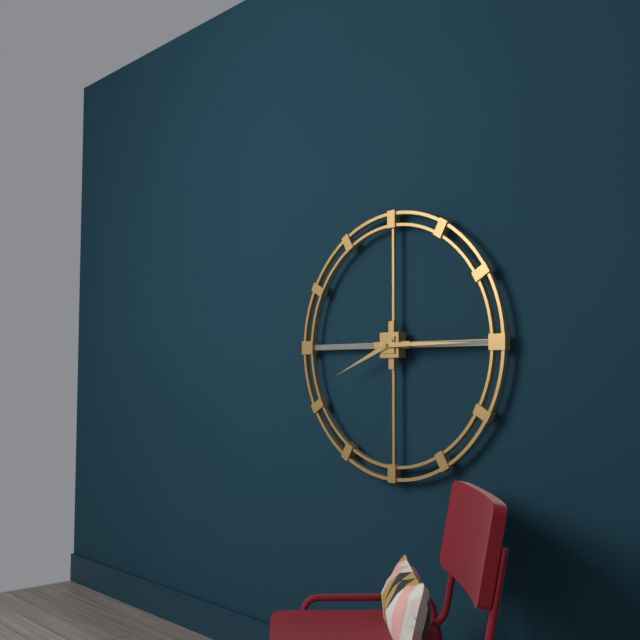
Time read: 8.15
